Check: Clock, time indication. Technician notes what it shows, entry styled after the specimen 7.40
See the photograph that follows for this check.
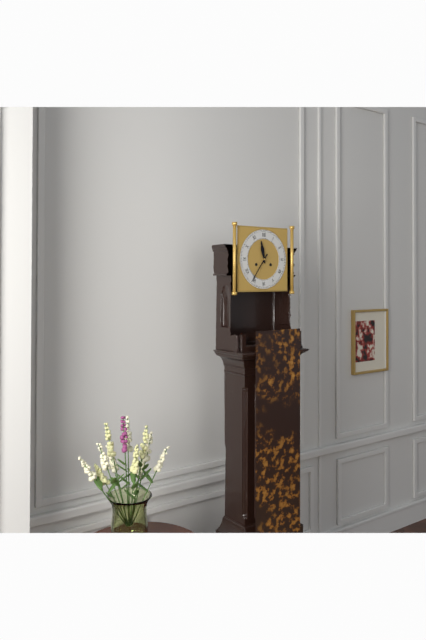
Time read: 11.36
